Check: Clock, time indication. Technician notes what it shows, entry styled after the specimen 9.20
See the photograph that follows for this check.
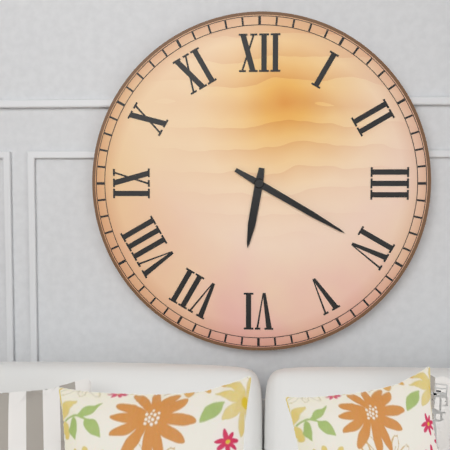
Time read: 6.20
